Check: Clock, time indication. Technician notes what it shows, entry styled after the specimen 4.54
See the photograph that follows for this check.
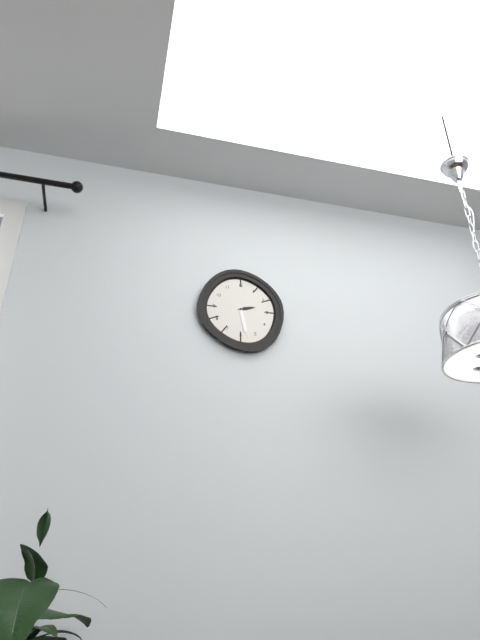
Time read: 2.28
